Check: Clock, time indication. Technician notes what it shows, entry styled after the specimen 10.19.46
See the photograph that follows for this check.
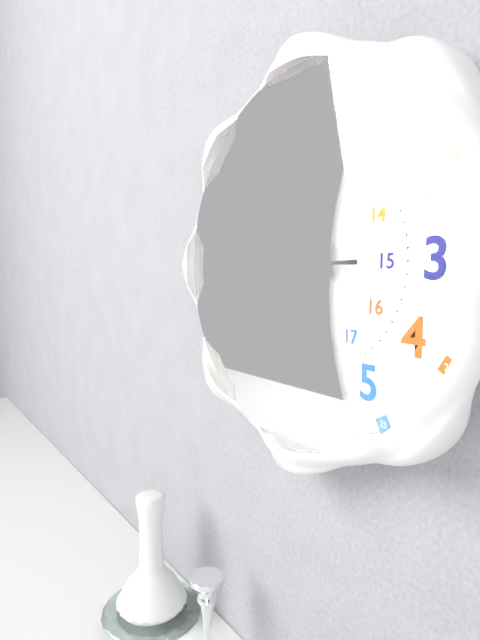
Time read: 10.34.45
